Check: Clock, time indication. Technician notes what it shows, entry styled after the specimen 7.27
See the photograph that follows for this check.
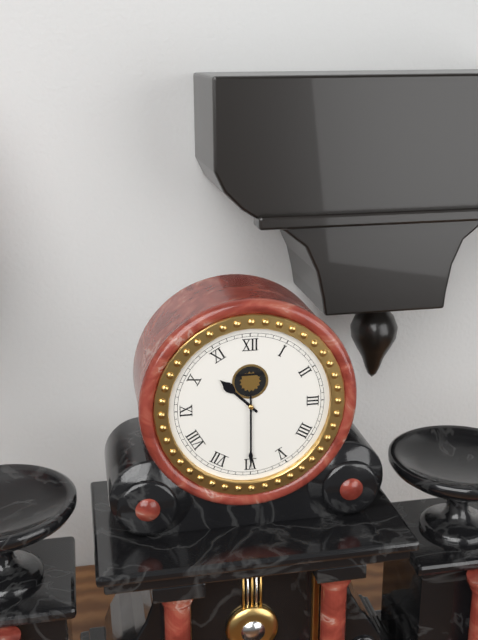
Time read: 10.30
